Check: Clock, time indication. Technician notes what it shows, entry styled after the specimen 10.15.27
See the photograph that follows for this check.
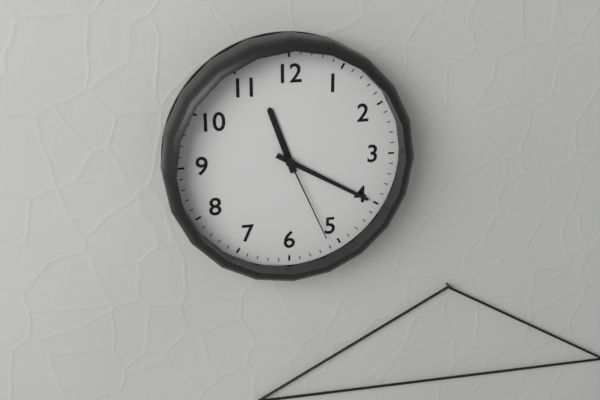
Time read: 11.20.26
